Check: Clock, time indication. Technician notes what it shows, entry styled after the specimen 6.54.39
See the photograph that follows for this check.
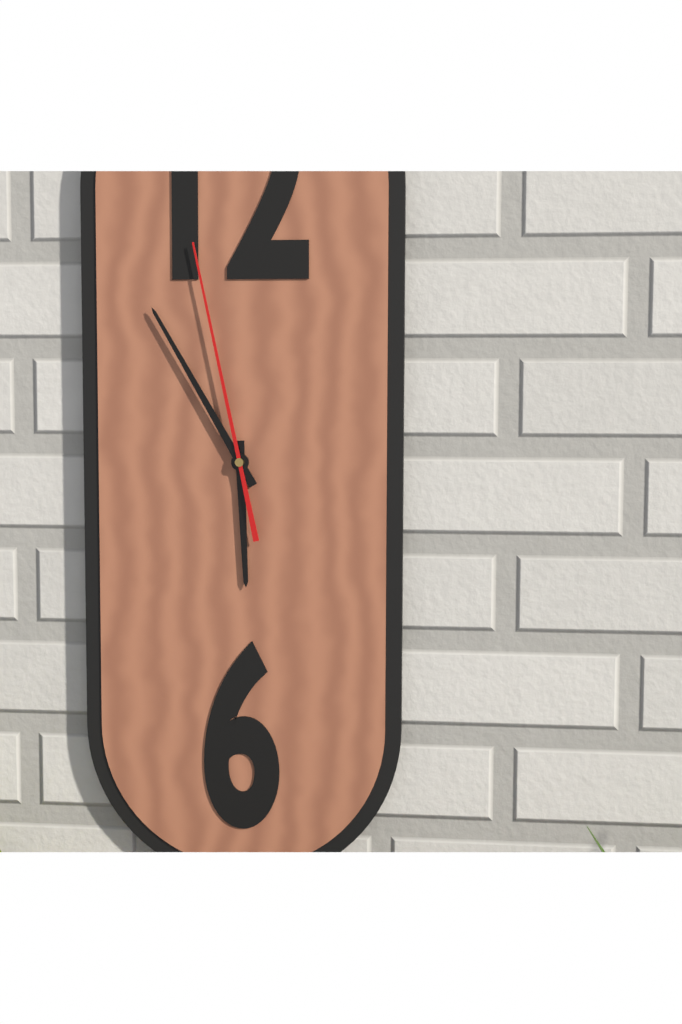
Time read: 5.55.58
